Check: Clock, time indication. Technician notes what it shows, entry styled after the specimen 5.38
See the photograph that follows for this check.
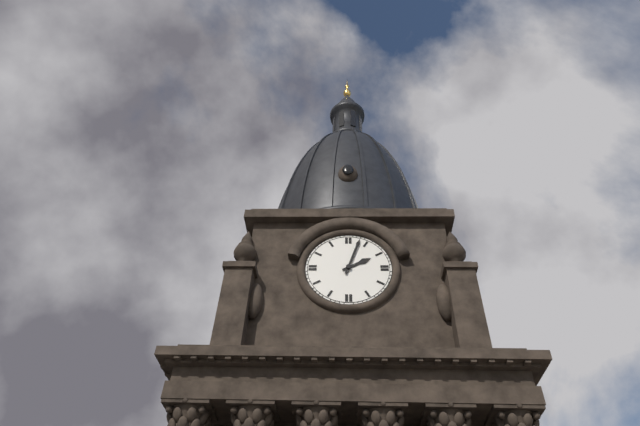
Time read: 2.03
